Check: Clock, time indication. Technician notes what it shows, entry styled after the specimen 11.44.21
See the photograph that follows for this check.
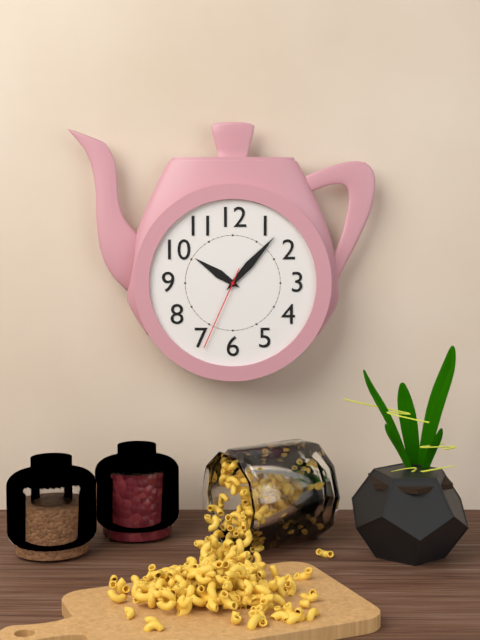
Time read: 10.07.34
